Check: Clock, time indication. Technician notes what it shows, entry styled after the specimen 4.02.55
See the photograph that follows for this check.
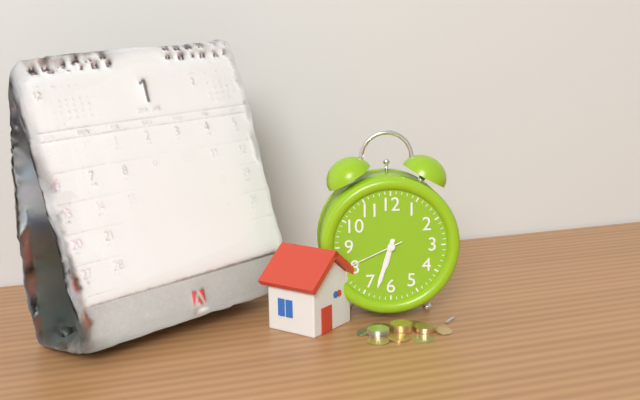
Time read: 6.33.41
